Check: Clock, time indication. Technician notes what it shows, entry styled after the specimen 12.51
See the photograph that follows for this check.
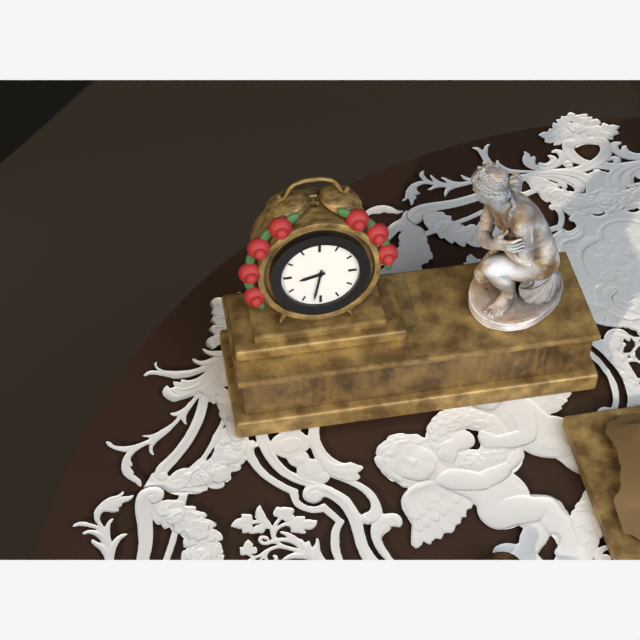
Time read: 8.32
